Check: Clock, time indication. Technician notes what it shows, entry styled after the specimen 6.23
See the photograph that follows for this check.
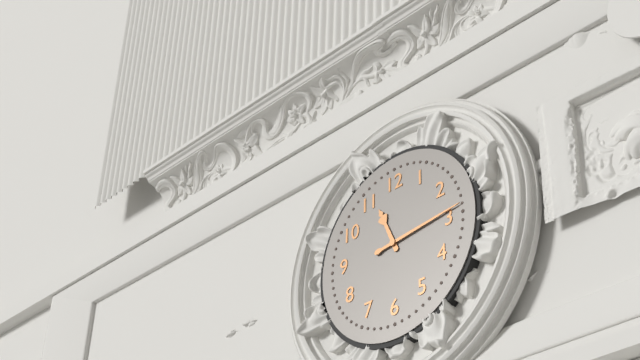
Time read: 11.14
